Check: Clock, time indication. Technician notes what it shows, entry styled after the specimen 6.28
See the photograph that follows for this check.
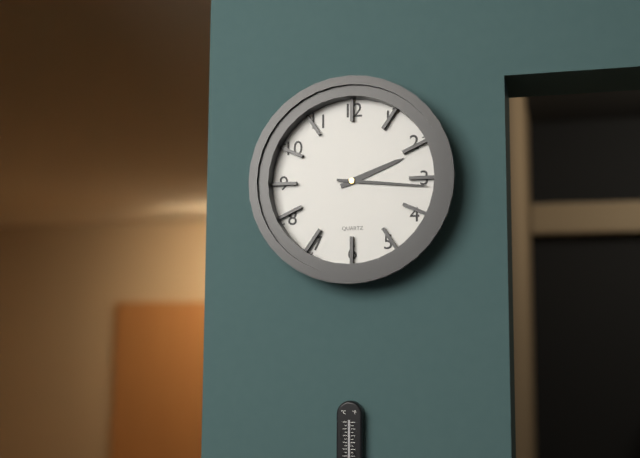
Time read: 2.16
